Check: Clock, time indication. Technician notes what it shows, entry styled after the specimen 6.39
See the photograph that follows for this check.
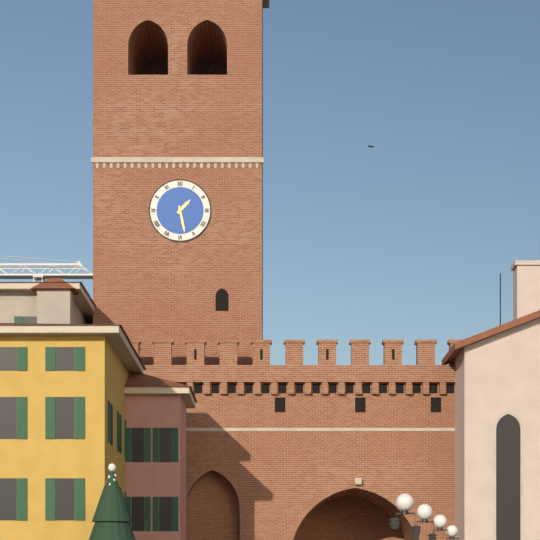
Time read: 1.28
